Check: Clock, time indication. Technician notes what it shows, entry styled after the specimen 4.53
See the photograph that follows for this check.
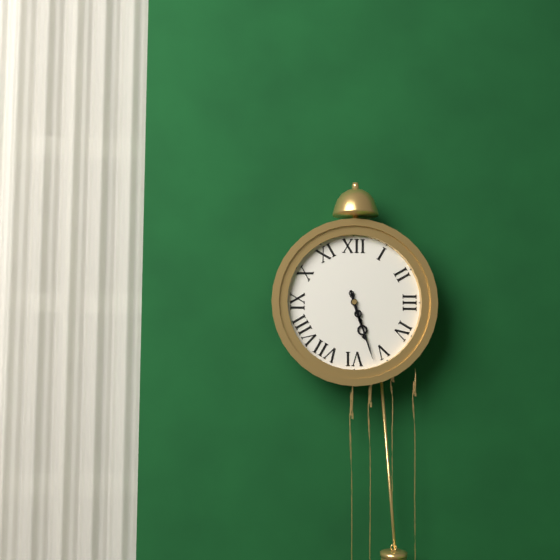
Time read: 5.27
